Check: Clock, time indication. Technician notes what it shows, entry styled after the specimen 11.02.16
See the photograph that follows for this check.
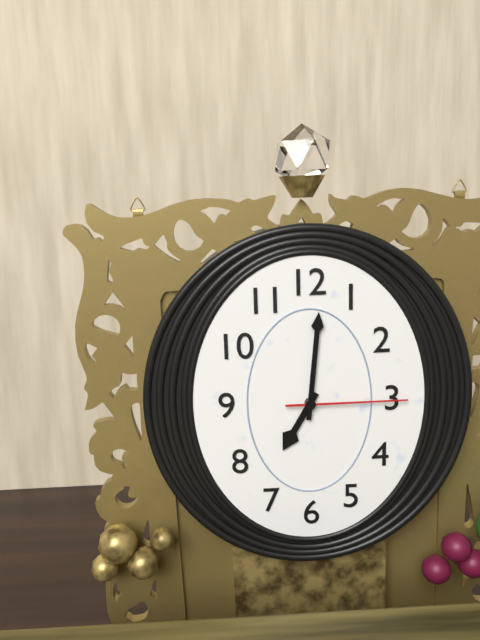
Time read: 7.01.15
